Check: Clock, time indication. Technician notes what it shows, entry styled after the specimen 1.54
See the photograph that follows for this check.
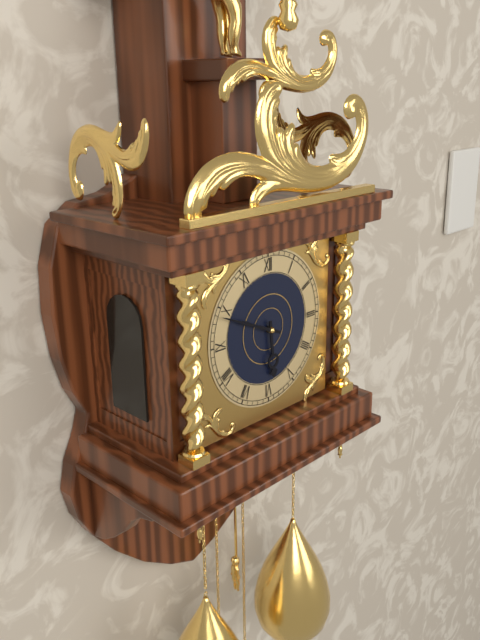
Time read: 5.49
